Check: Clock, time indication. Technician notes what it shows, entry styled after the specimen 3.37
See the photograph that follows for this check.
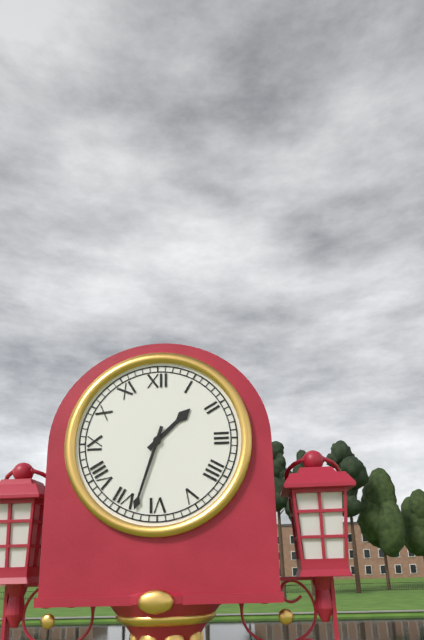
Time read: 1.33
